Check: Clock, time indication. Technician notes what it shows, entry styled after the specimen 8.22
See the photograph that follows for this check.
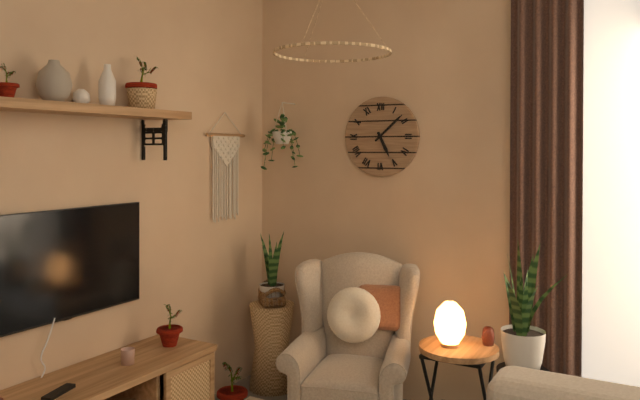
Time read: 5.08
